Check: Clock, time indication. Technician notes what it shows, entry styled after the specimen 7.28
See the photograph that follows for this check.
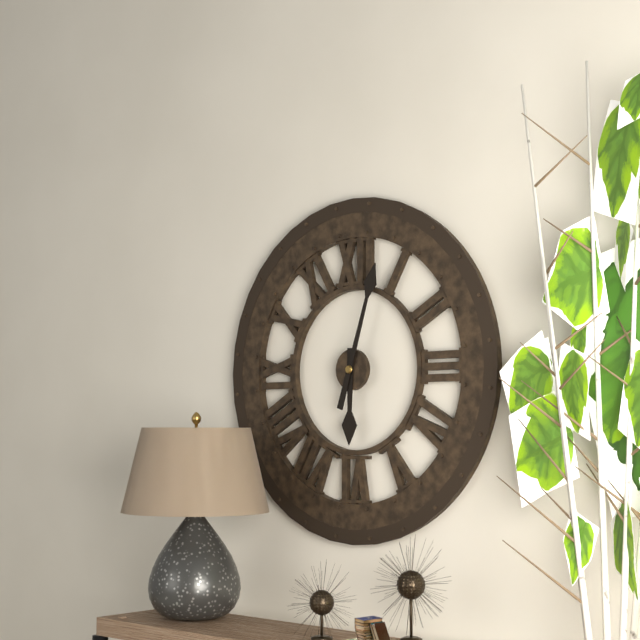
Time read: 6.03
